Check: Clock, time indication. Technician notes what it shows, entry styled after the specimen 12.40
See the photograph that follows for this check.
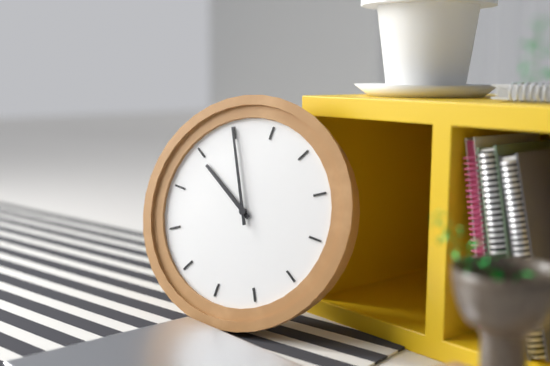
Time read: 9.55
